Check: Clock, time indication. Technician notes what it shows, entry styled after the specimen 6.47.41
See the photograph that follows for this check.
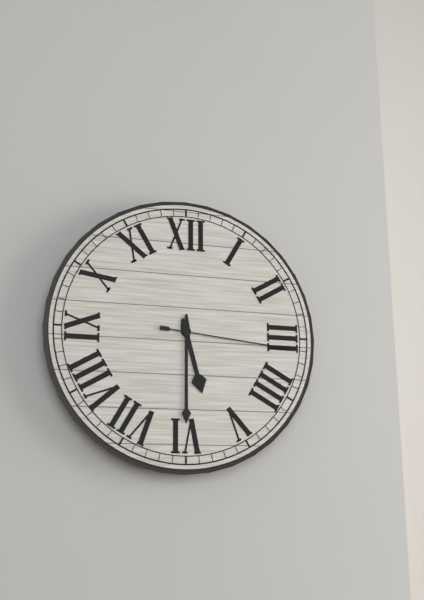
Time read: 5.30.16
